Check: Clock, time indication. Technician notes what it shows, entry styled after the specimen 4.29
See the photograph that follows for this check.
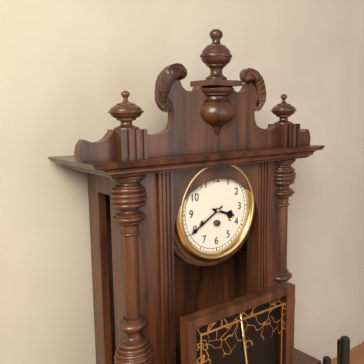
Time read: 3.40
